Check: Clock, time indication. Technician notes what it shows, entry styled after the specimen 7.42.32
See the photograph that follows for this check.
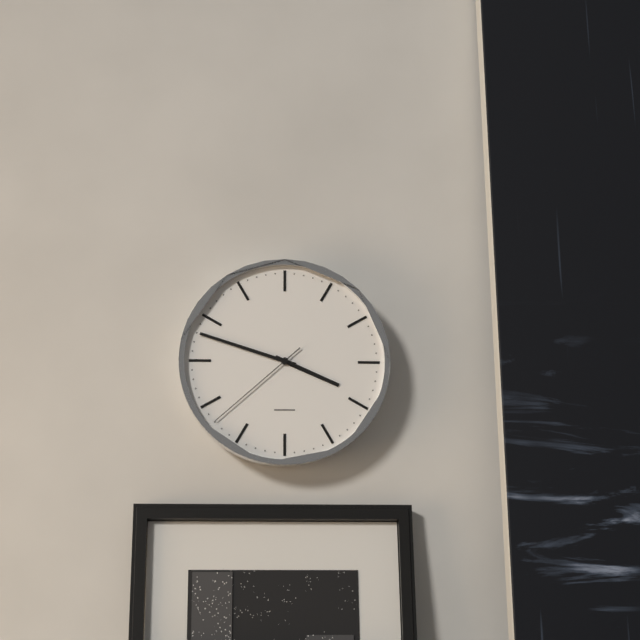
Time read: 3.48.38
